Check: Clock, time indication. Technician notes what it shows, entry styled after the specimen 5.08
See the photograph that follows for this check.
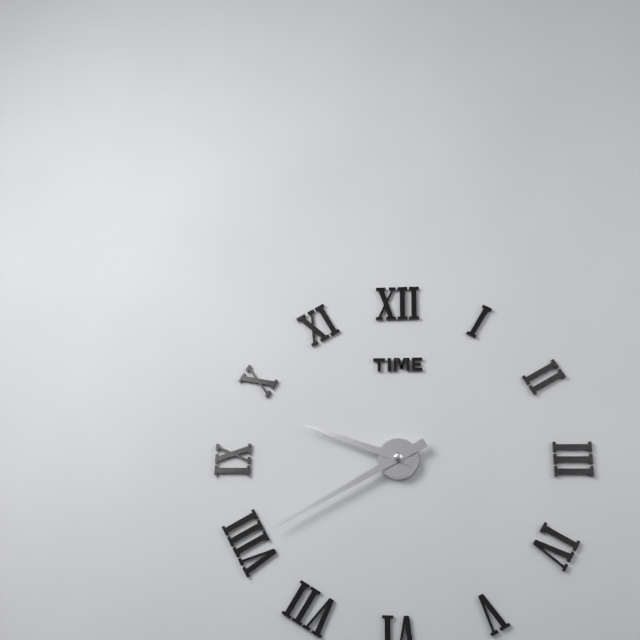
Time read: 9.40
